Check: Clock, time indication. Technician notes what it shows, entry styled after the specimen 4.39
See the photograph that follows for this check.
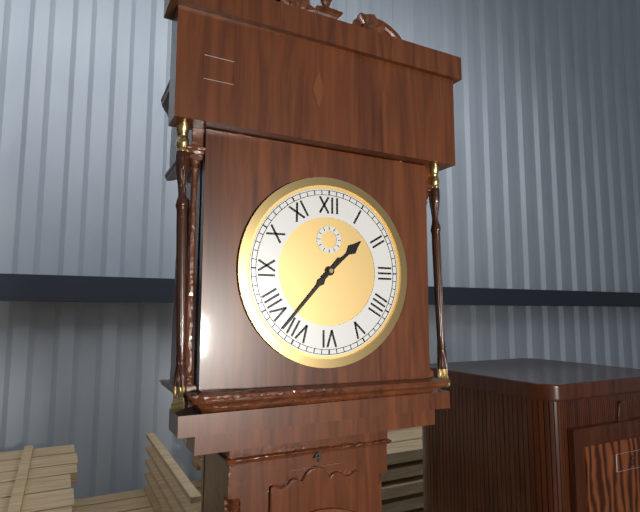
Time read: 1.37
